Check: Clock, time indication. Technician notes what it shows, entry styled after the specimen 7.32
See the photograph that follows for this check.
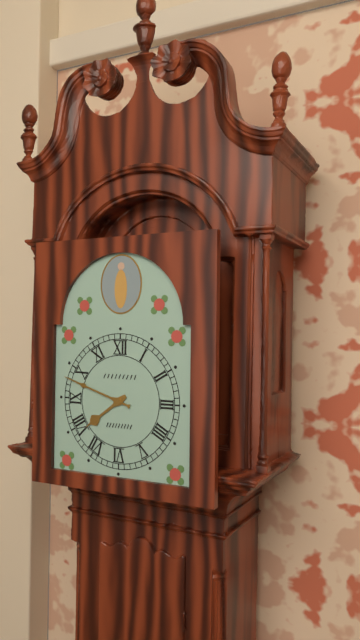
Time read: 7.48
